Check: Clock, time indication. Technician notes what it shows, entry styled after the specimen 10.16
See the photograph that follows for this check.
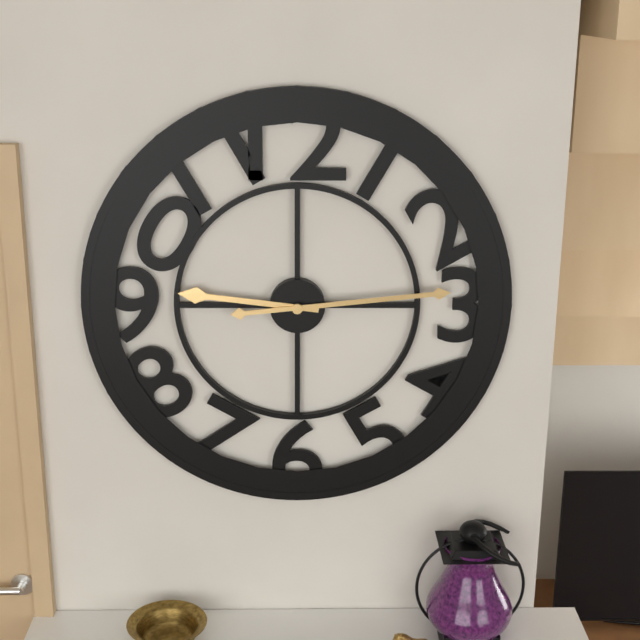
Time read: 9.14
